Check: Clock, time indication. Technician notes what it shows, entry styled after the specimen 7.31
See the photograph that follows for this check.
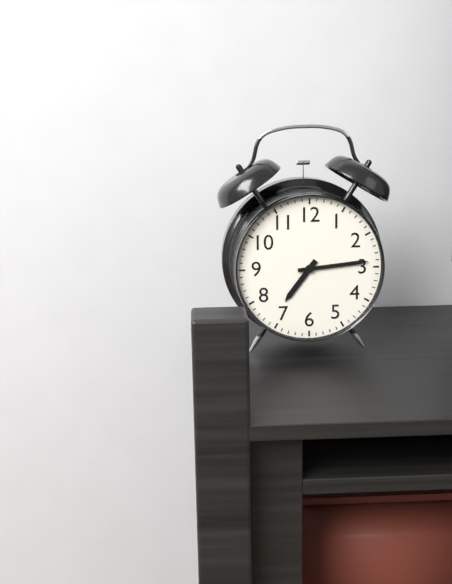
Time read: 7.14
